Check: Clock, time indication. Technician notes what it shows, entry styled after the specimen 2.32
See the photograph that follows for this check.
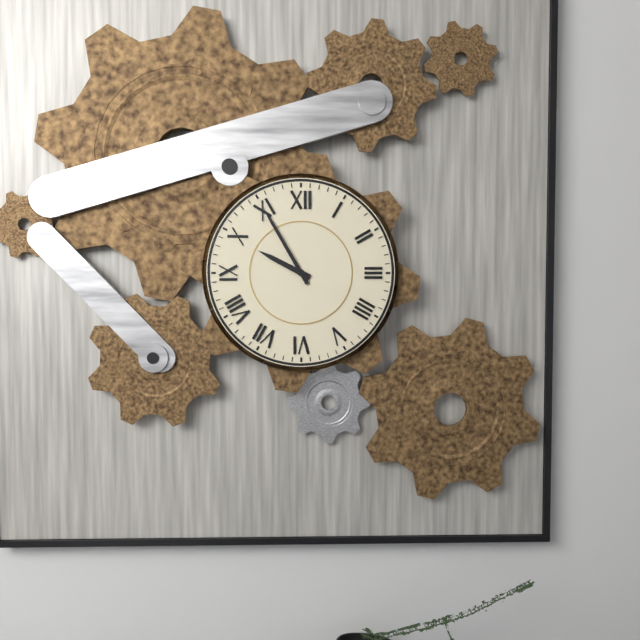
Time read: 9.55
